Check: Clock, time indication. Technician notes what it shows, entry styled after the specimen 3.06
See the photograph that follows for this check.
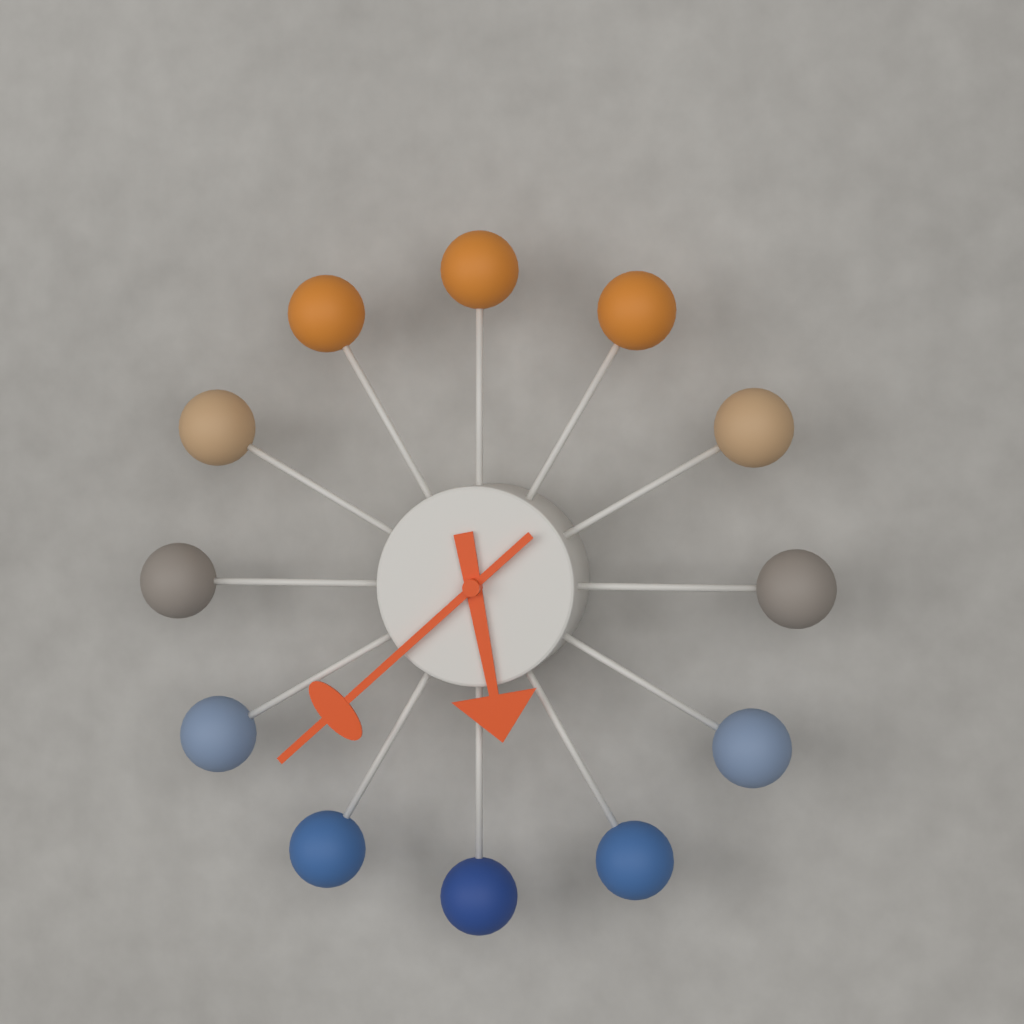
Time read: 5.38
